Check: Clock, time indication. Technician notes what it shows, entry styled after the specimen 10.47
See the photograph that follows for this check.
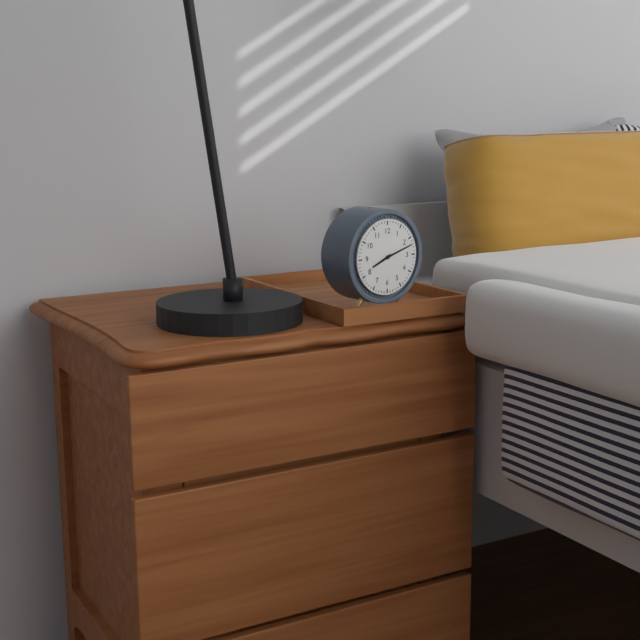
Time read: 8.12
